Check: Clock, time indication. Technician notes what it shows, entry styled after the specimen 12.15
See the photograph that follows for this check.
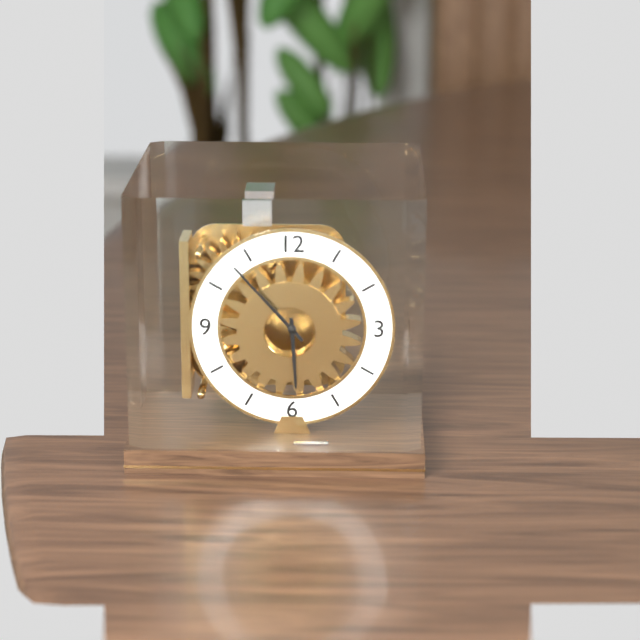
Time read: 5.53
